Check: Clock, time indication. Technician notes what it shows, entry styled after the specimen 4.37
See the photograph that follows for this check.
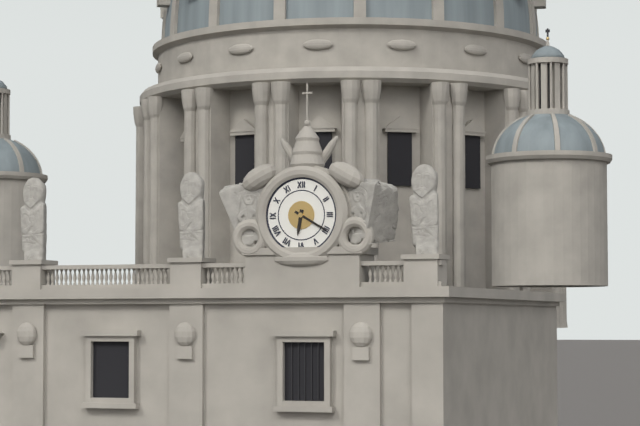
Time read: 6.20
